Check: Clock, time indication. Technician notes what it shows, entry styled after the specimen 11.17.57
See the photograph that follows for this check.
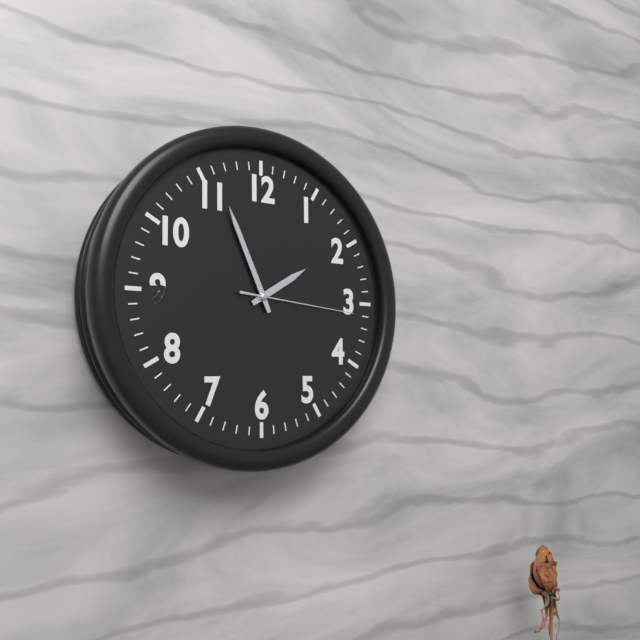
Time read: 1.56.16
